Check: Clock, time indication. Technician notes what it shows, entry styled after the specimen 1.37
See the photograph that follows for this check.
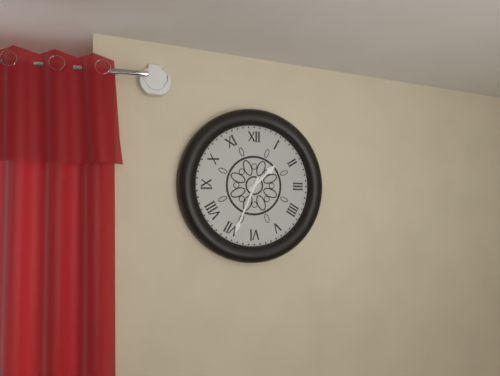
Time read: 1.34
